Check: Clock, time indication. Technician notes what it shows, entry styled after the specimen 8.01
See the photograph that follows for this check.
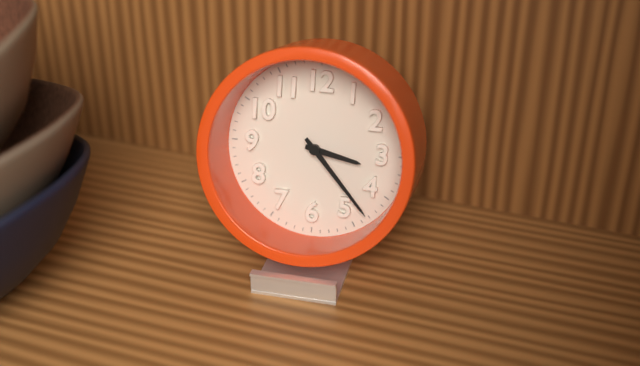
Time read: 3.23
